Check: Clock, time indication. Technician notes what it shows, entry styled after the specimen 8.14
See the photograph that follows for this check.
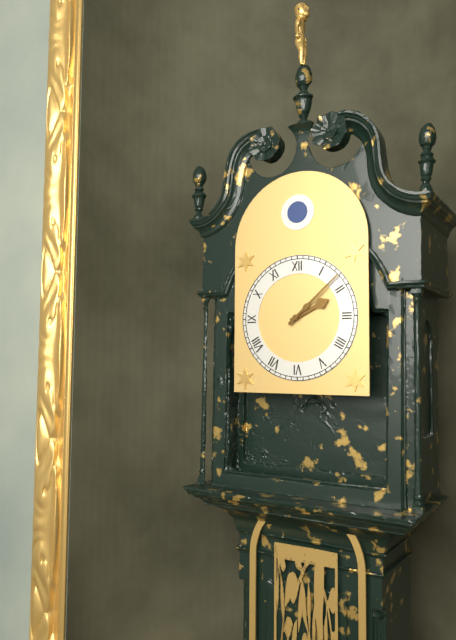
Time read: 2.08
